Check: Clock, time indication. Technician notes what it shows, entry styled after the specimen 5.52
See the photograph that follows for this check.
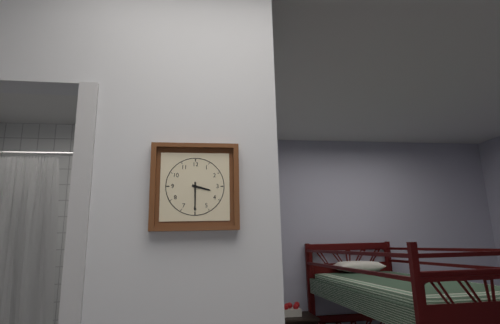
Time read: 3.30
